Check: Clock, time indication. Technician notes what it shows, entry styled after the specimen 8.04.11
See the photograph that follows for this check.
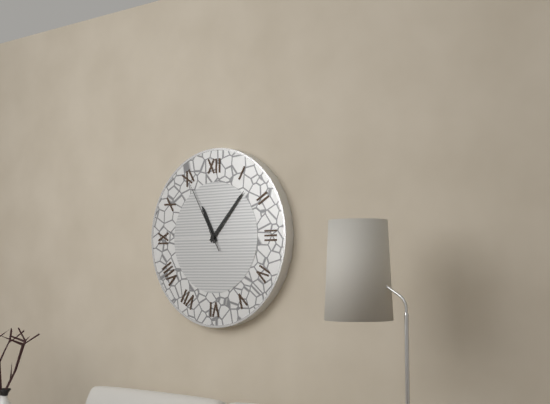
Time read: 11.07.55
